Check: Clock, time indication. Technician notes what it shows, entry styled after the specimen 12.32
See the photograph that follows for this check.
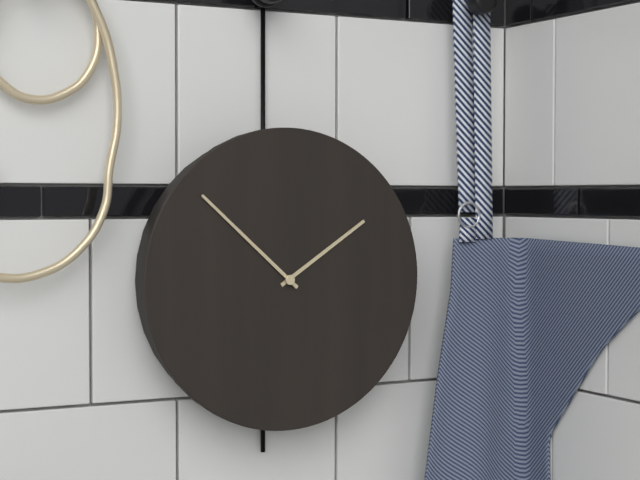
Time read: 1.52
